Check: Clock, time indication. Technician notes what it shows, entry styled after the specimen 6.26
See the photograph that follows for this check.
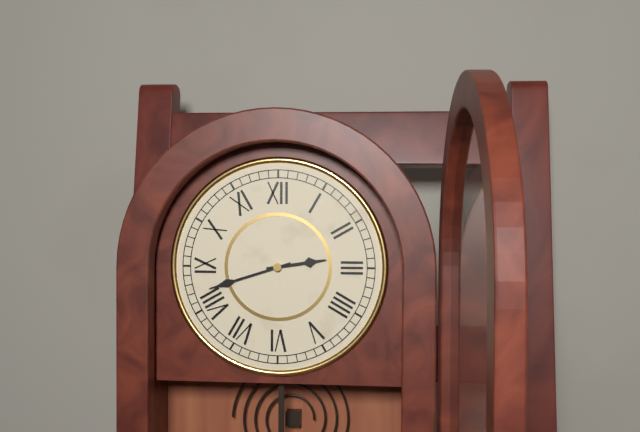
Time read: 2.42
